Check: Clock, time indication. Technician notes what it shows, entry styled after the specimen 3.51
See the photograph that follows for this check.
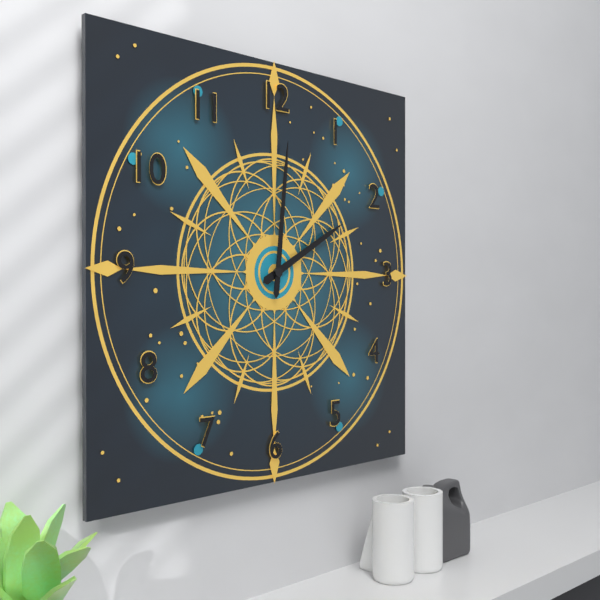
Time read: 2.01
